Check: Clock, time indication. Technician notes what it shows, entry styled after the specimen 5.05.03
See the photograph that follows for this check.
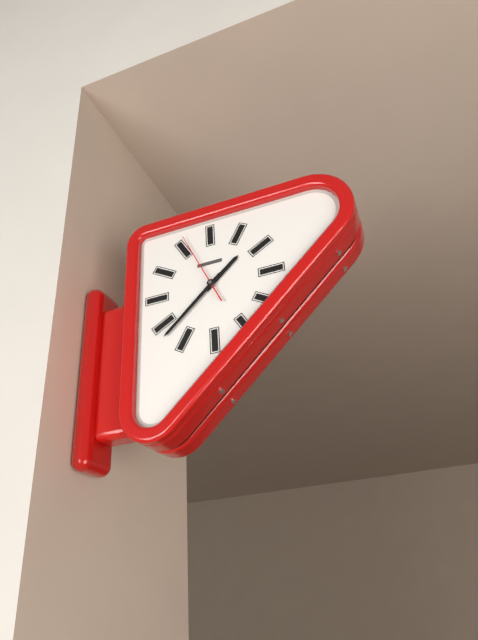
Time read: 1.38.56
